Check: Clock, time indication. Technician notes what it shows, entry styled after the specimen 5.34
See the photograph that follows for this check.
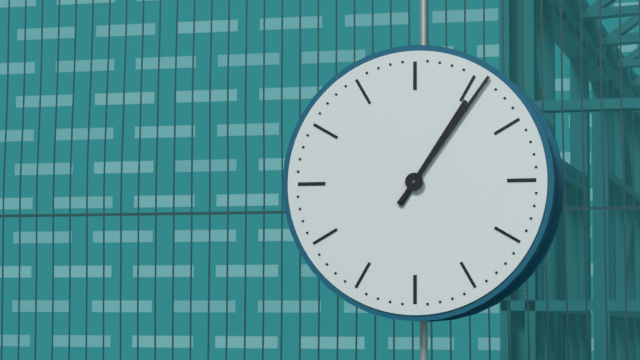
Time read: 1.06
